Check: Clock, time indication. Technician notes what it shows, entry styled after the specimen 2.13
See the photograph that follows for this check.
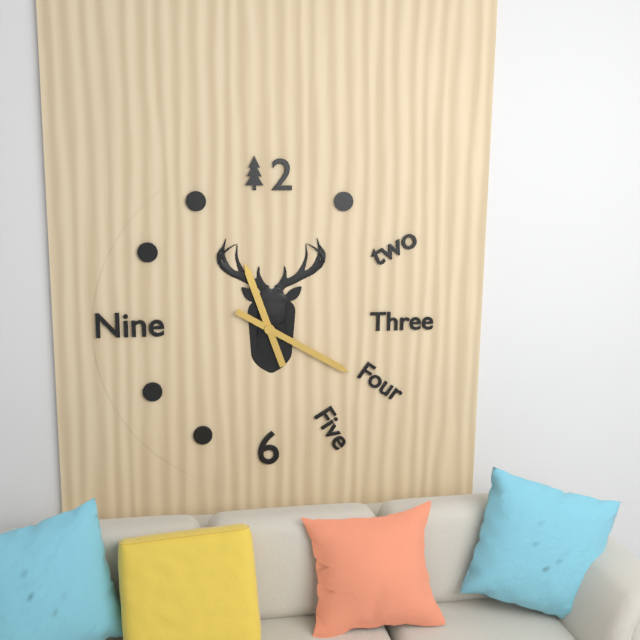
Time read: 11.20
